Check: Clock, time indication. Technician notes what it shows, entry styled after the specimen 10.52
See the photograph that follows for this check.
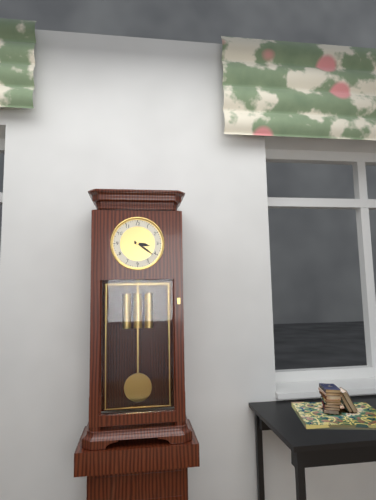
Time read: 3.21
